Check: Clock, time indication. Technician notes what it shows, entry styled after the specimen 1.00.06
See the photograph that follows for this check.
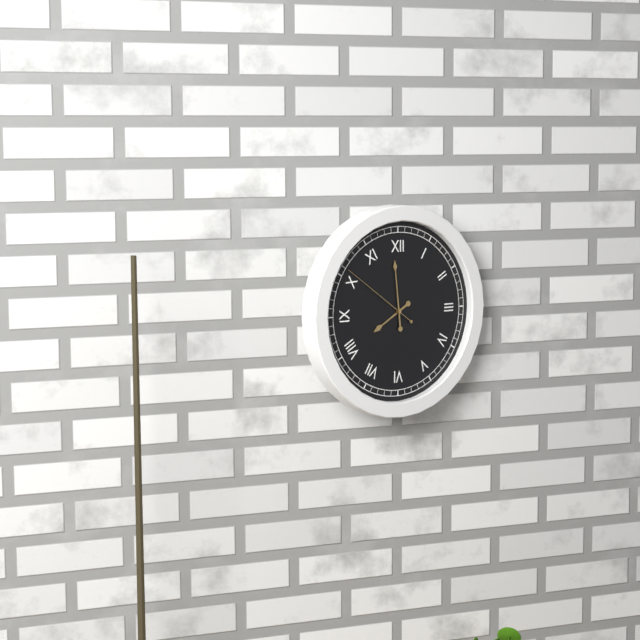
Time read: 7.59.51
